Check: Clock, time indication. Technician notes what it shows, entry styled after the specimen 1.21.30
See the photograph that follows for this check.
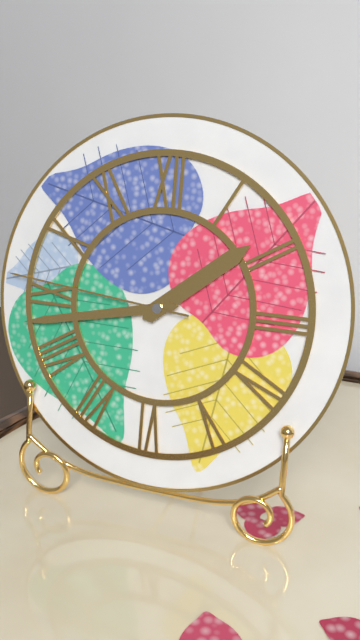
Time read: 1.43.46
